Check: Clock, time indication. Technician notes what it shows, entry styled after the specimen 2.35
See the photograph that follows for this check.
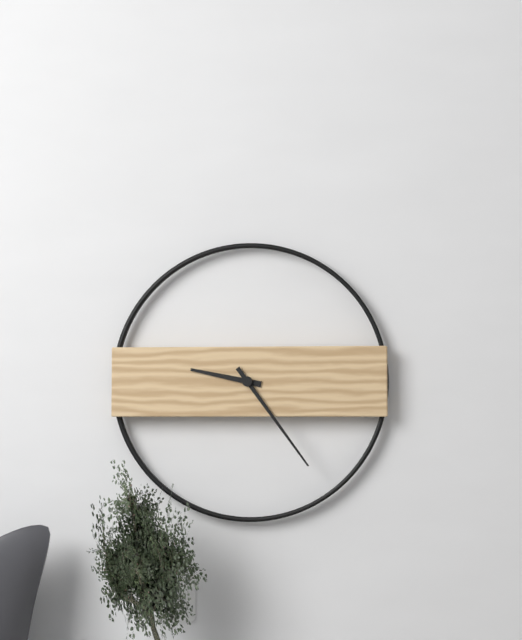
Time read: 9.24
